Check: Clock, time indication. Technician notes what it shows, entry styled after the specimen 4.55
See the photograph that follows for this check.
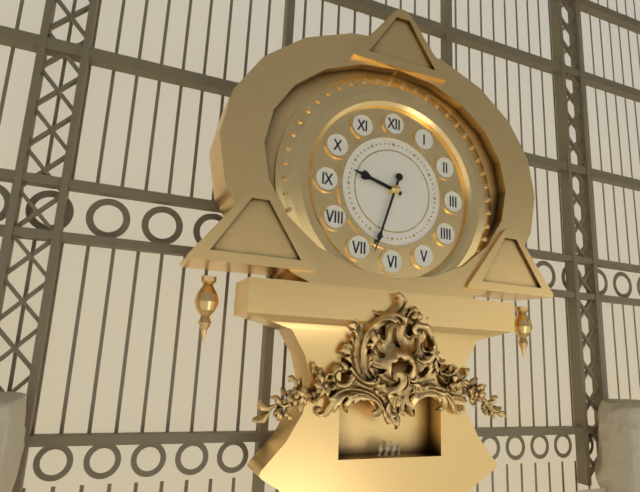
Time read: 9.33
